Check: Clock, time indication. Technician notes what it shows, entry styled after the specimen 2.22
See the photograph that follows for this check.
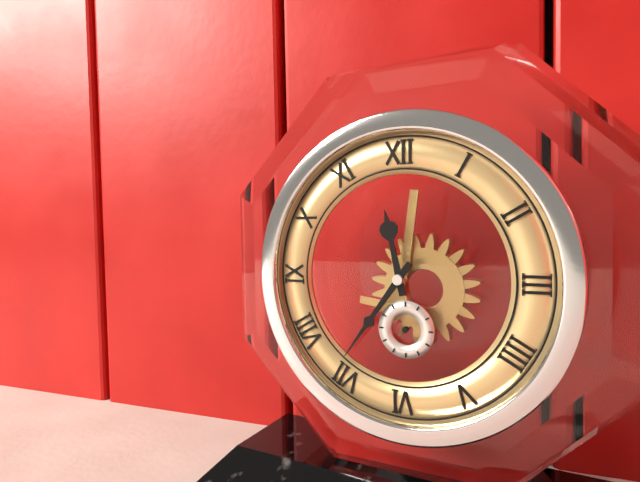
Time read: 11.36
